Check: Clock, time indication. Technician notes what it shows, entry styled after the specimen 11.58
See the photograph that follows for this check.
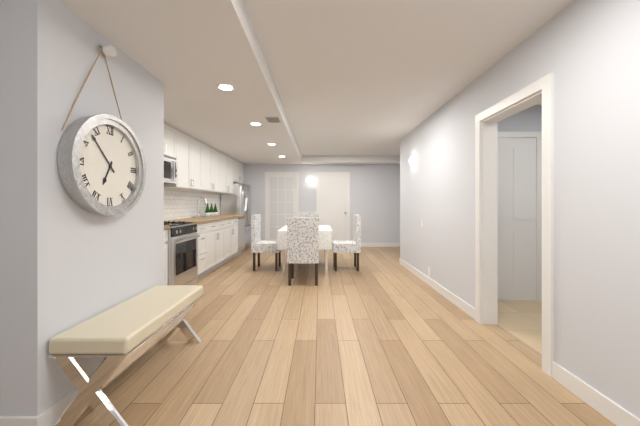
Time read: 6.53
